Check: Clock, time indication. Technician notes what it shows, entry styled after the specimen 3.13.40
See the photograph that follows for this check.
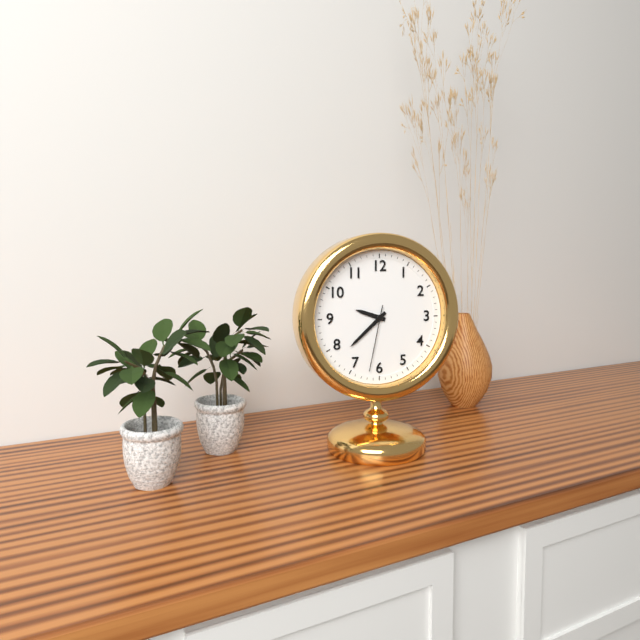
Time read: 9.38.32
